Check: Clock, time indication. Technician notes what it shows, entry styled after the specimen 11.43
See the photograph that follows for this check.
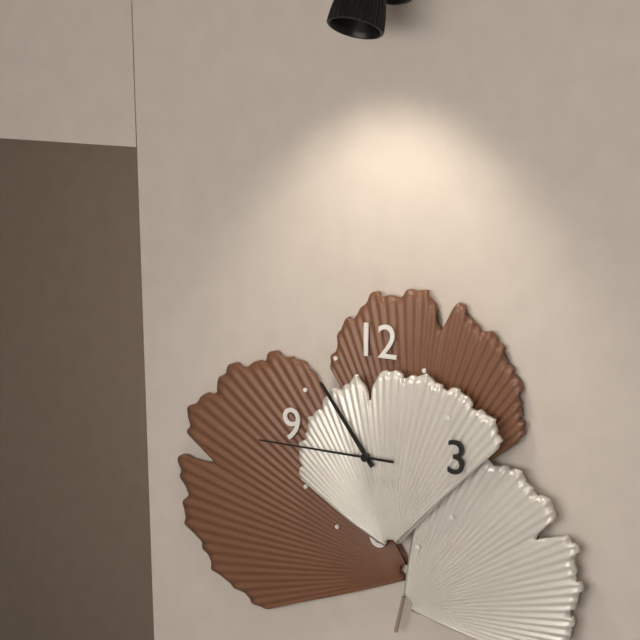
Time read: 10.45
